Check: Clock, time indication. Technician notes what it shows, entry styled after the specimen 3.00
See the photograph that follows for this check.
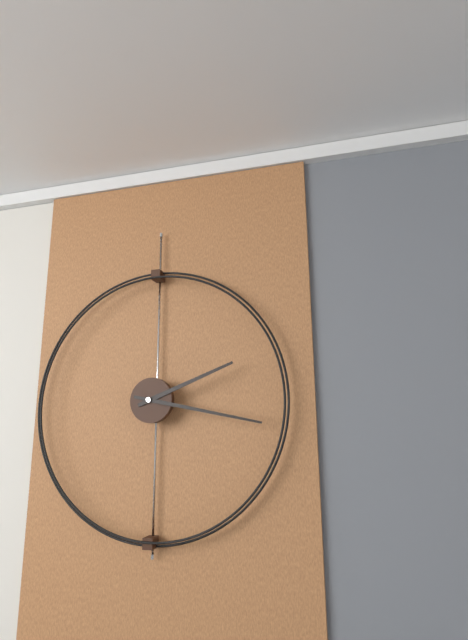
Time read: 2.17
